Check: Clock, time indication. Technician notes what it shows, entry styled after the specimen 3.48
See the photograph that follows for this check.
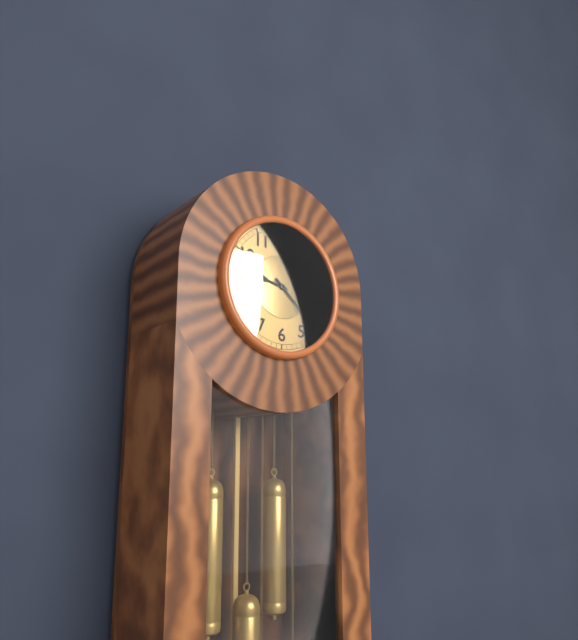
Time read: 9.22
